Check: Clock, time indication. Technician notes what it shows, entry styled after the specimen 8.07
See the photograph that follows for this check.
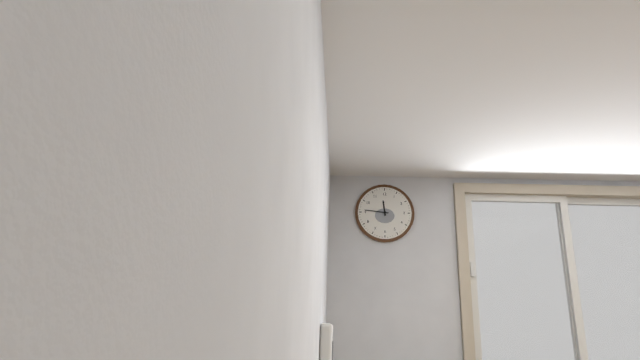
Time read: 11.46
